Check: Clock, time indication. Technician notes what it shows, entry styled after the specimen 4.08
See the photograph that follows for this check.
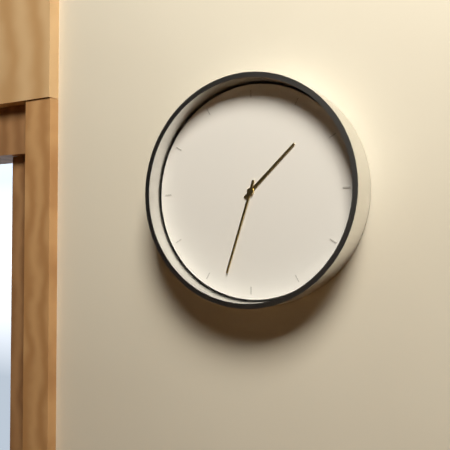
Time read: 1.33
